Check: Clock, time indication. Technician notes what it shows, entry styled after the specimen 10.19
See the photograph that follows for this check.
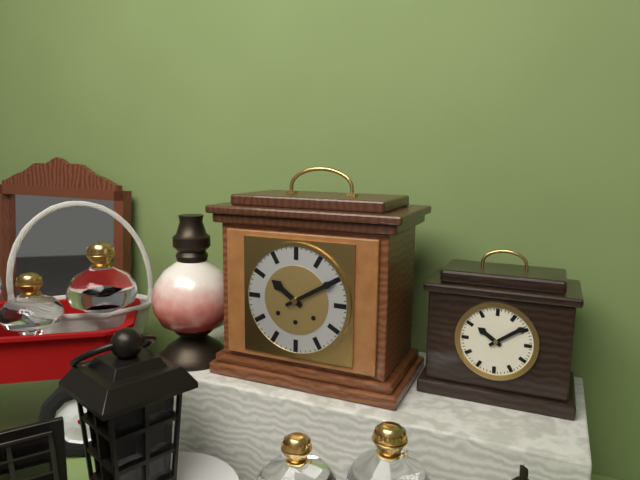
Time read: 10.10
